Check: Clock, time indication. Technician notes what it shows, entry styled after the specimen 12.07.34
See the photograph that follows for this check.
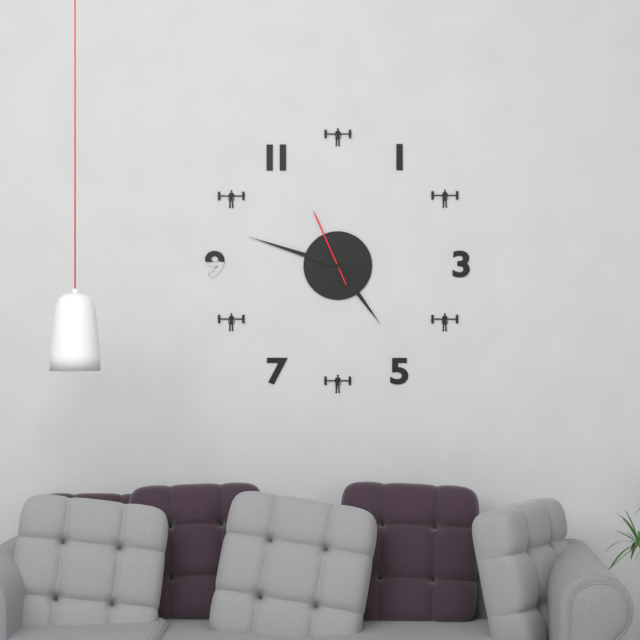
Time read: 4.48.56
